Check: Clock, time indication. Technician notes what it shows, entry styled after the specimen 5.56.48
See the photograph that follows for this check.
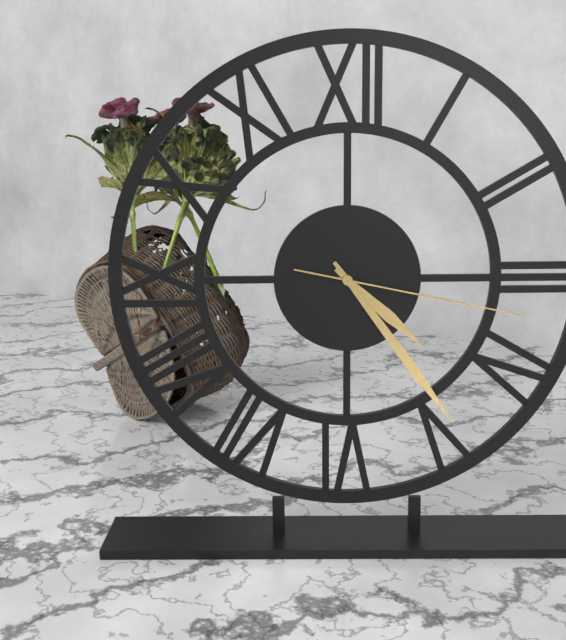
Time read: 4.24.17
